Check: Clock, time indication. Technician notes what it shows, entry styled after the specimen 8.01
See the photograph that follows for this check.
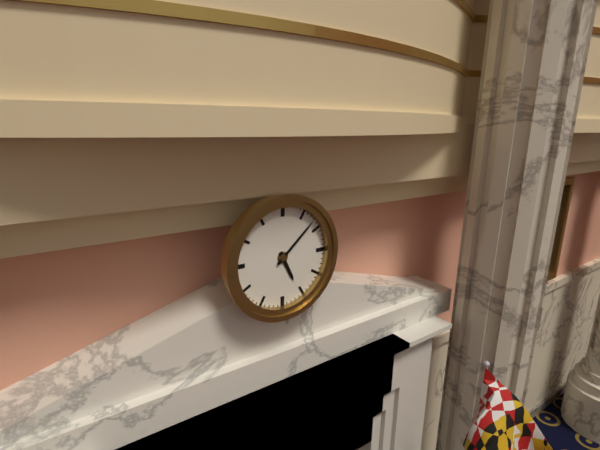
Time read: 5.08
